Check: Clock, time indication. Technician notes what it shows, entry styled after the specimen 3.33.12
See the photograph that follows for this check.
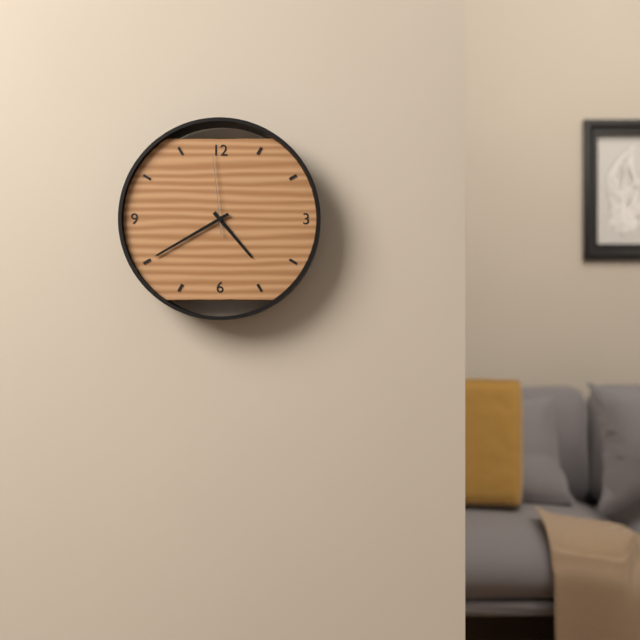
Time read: 4.40.59
